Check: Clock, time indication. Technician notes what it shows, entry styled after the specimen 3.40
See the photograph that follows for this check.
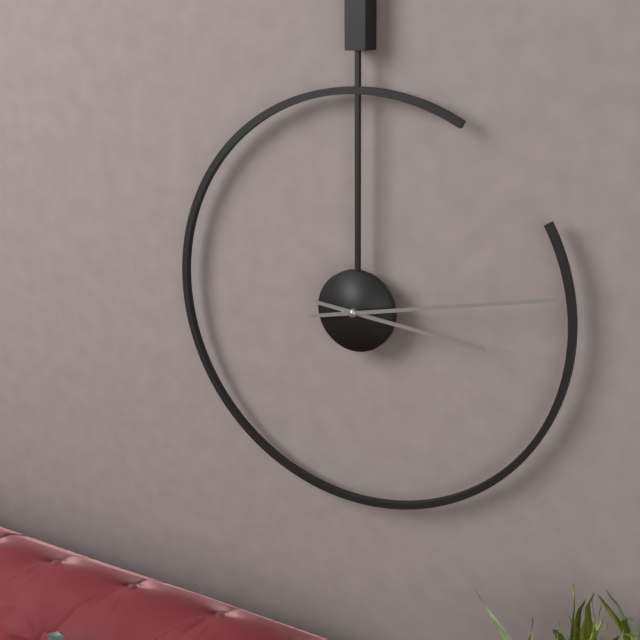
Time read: 3.13
